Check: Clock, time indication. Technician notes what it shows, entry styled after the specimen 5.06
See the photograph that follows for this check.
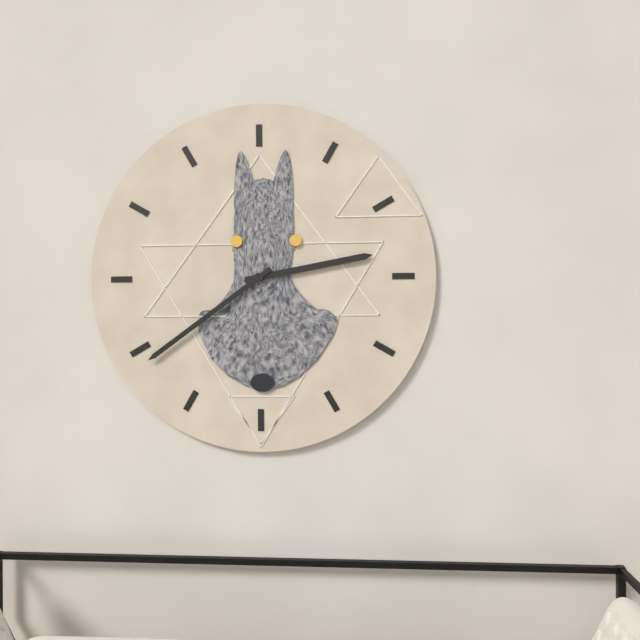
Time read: 2.39
